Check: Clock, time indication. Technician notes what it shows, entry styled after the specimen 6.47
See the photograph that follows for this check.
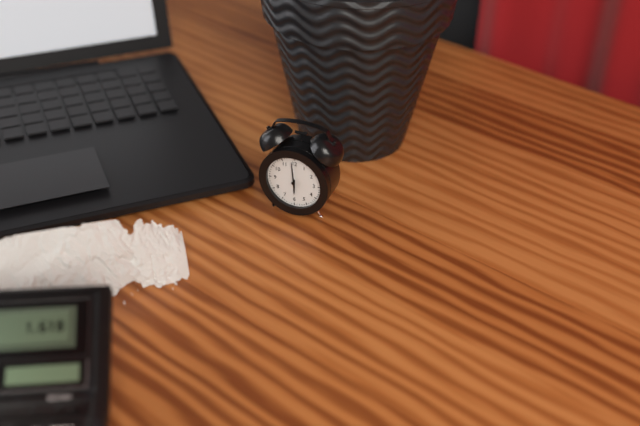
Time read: 5.59
